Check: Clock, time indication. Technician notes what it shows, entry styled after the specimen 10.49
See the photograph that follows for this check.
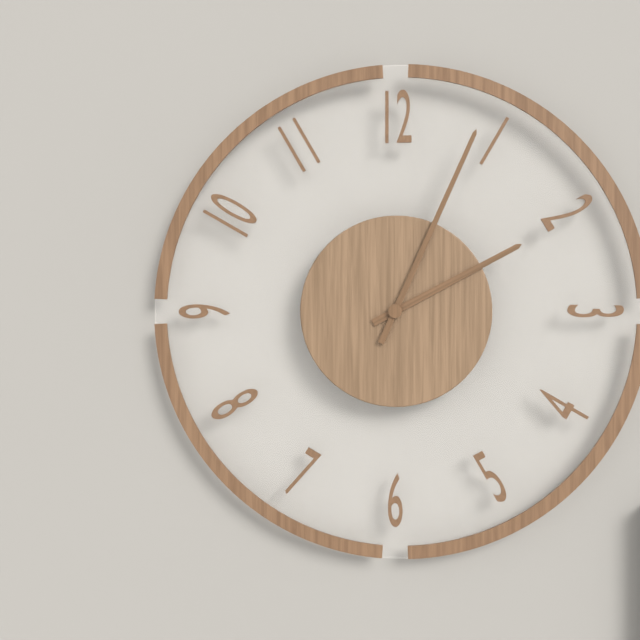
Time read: 2.04
